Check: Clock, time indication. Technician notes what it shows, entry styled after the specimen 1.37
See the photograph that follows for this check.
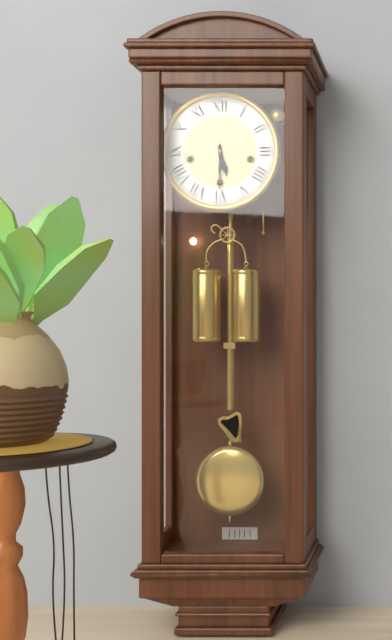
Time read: 5.30
